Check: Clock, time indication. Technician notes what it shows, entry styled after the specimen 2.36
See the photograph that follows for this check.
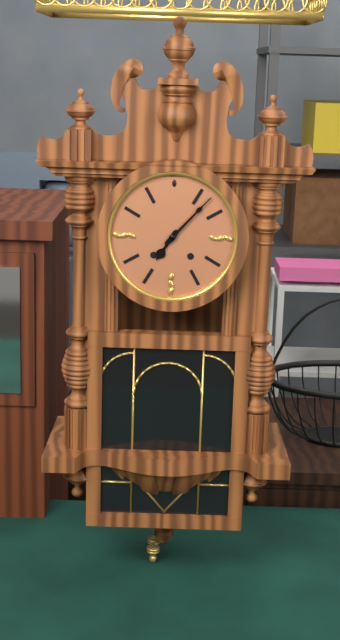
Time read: 7.07
